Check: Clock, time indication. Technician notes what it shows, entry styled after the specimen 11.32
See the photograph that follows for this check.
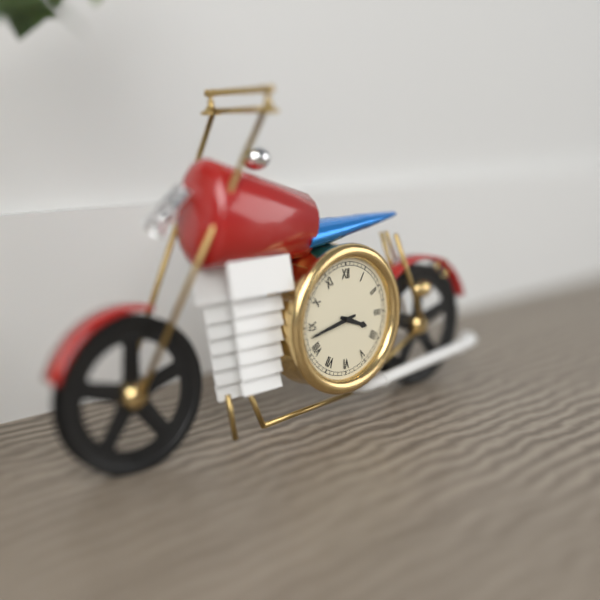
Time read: 3.43
